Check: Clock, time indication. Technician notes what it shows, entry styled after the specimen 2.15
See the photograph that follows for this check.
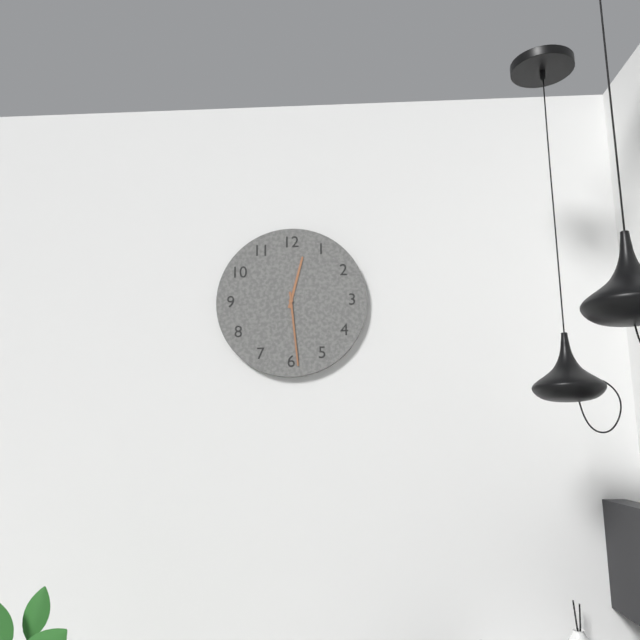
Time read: 12.29
